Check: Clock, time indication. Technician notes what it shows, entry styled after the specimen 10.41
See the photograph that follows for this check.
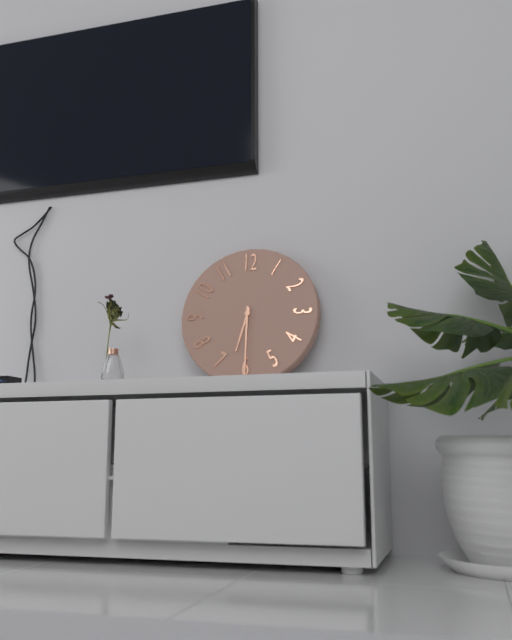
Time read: 6.30
